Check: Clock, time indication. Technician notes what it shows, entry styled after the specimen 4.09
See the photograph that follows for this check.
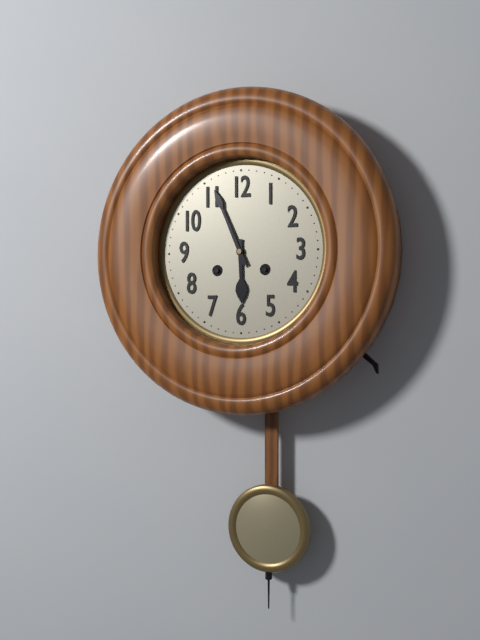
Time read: 5.56
